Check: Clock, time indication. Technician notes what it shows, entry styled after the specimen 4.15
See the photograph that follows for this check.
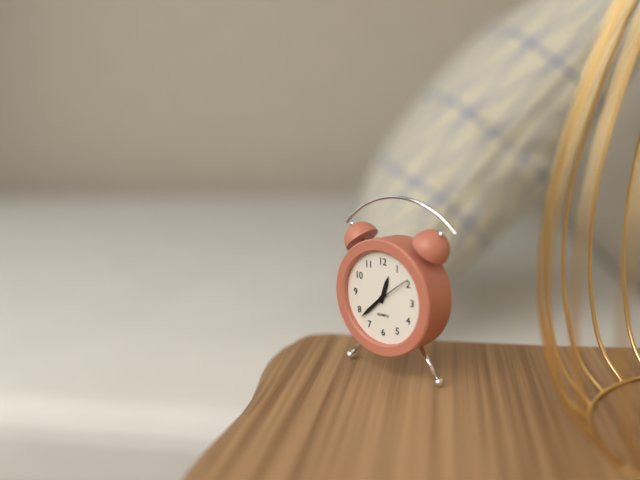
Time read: 12.38
